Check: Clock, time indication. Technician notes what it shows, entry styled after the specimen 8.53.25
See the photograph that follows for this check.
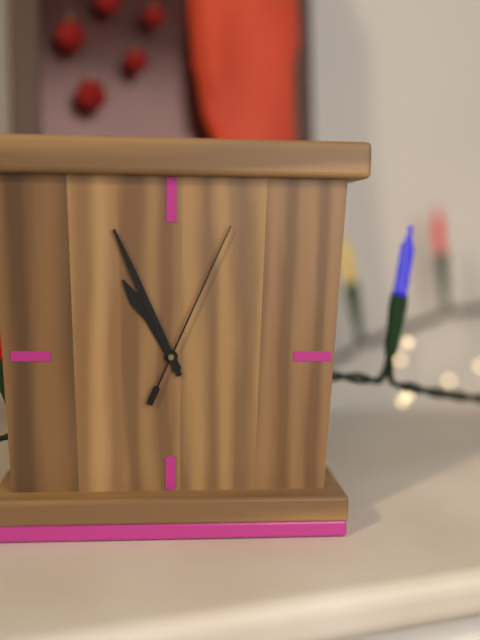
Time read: 10.56.04
